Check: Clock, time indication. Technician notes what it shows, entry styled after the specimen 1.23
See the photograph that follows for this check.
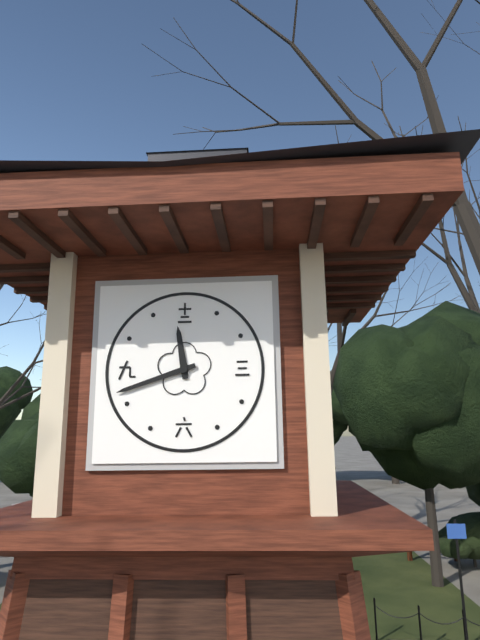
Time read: 11.42
